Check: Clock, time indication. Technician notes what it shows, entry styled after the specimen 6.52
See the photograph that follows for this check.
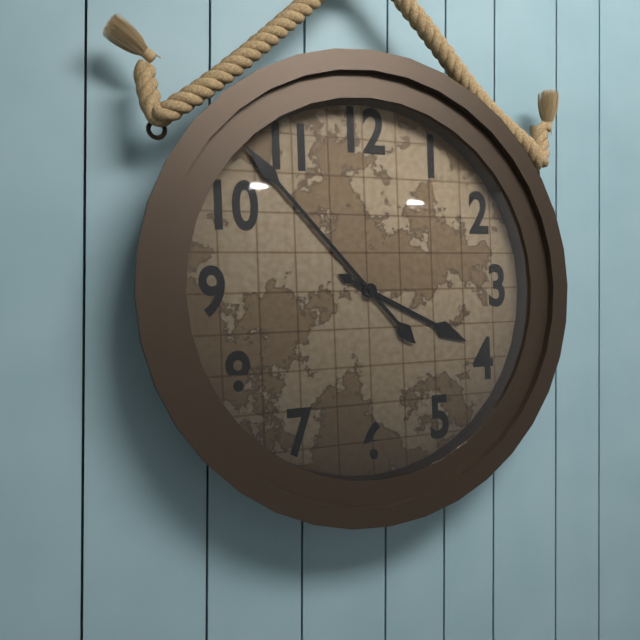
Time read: 3.53
